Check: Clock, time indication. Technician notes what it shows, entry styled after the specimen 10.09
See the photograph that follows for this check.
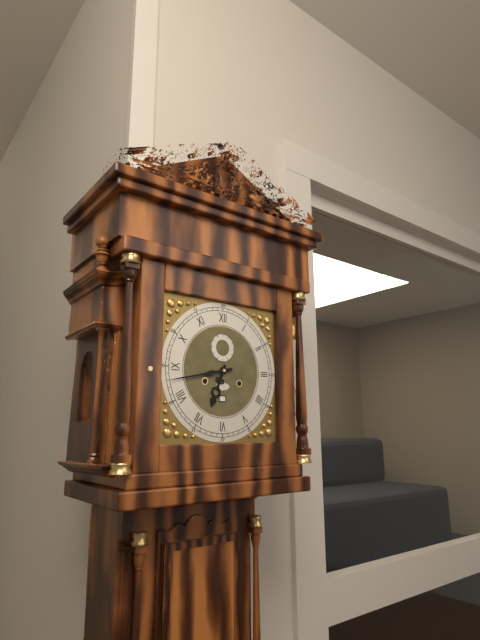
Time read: 6.43
